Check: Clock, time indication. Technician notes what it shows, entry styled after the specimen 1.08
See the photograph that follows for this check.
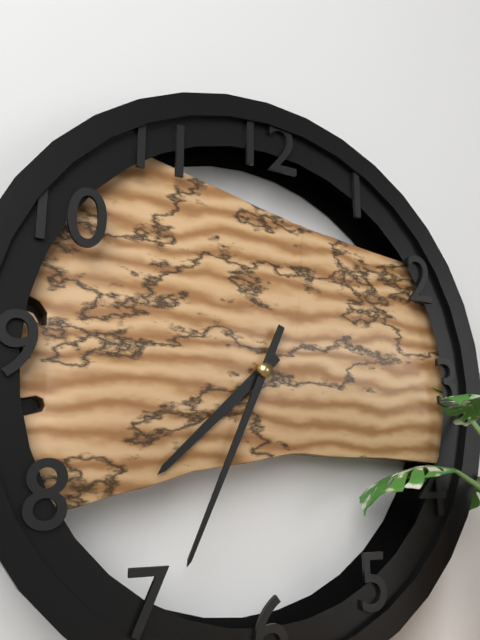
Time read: 7.34
